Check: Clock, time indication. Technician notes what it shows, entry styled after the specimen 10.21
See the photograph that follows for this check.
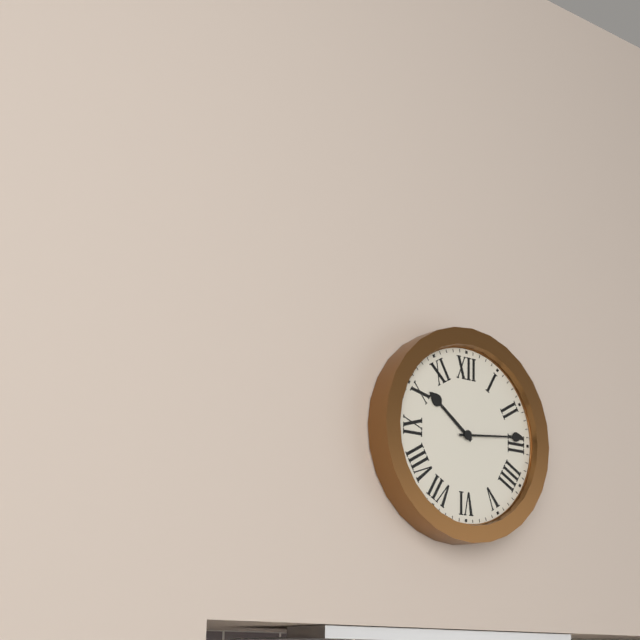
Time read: 10.14
